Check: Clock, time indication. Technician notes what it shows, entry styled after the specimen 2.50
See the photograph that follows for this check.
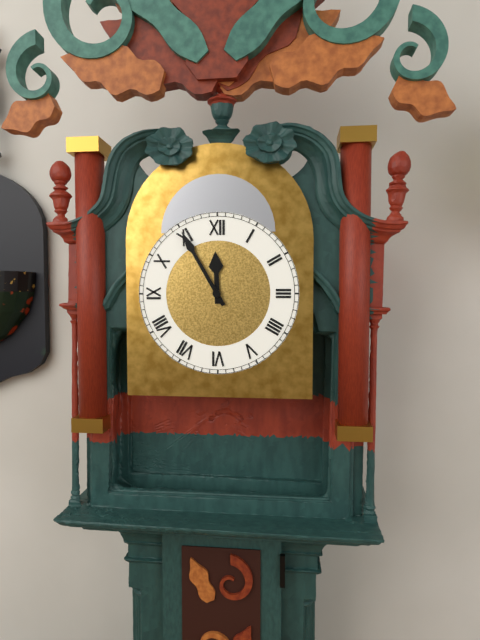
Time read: 11.55
